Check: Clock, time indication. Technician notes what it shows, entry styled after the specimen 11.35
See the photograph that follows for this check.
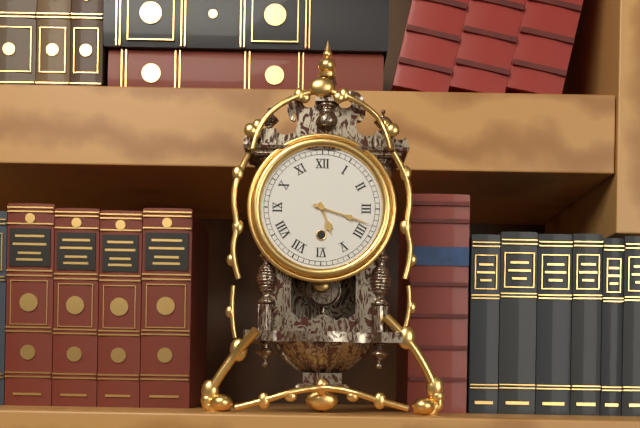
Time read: 5.18
